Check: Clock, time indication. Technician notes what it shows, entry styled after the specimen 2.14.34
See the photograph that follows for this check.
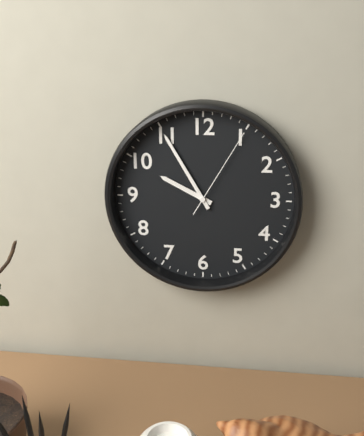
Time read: 9.55.05
